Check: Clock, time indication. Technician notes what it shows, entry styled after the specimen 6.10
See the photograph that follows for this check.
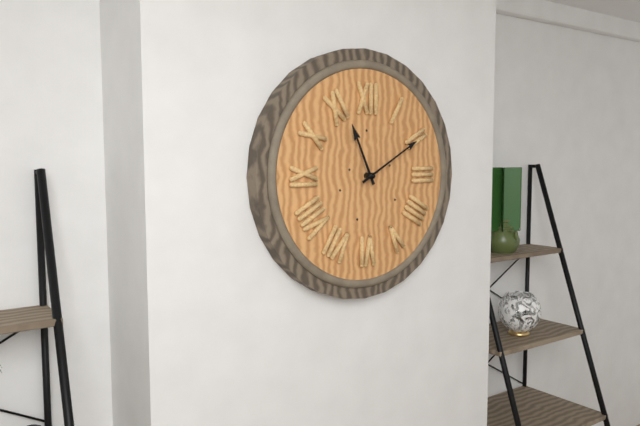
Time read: 11.10
